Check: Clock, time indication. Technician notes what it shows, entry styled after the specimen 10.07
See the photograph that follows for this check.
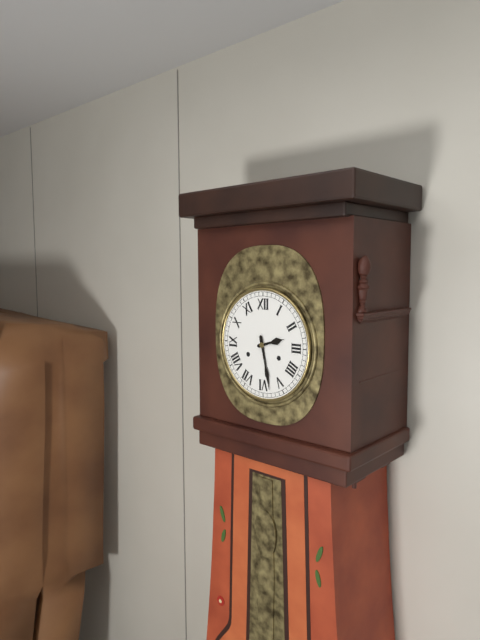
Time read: 2.28
